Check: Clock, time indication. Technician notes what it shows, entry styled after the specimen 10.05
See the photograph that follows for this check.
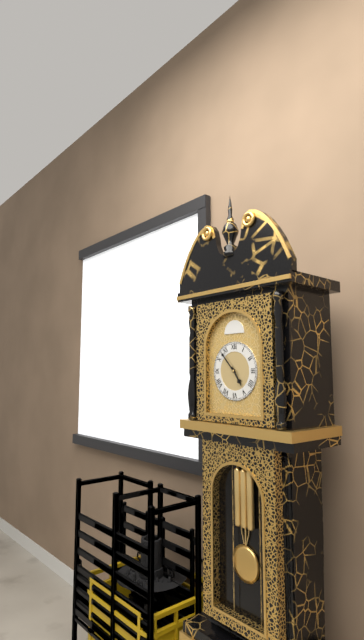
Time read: 4.53
